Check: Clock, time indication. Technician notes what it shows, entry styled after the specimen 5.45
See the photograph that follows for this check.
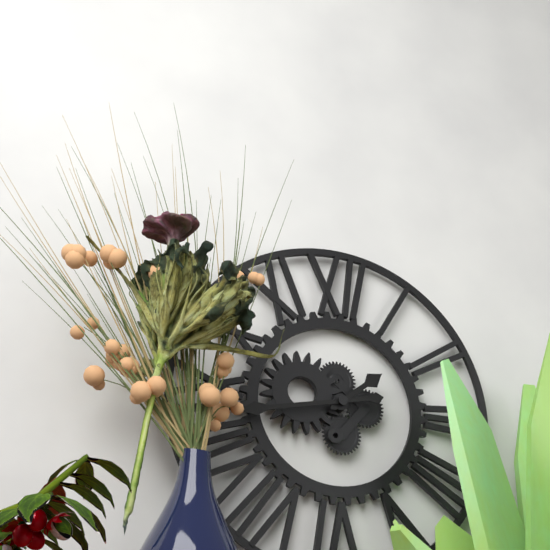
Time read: 1.43
